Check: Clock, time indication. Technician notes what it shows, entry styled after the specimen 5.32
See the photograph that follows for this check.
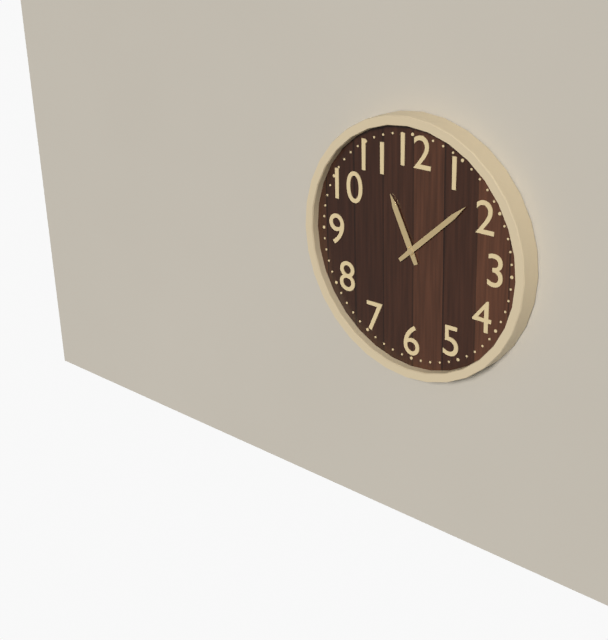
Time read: 11.08
